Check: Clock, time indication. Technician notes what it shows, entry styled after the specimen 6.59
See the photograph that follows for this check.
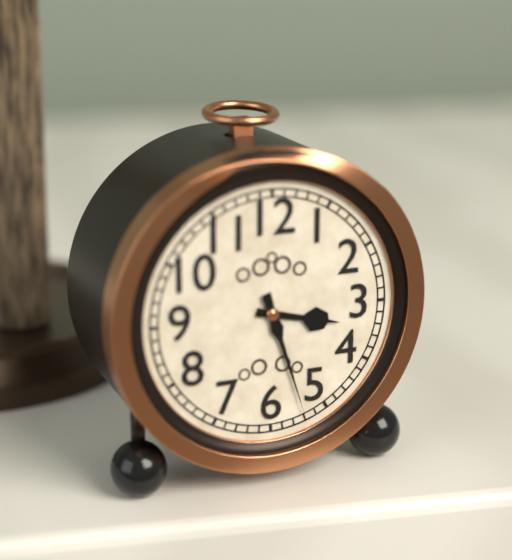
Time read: 3.27
